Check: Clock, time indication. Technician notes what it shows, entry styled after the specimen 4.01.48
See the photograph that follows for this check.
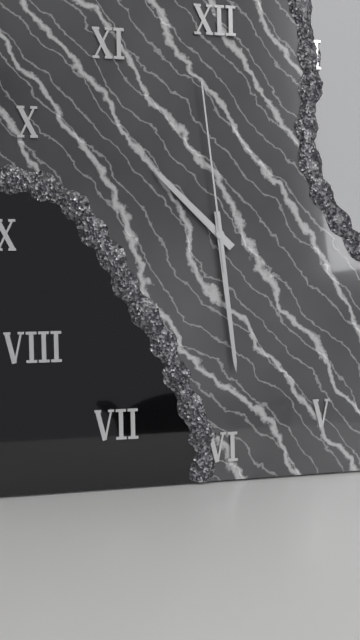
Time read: 10.29.59
